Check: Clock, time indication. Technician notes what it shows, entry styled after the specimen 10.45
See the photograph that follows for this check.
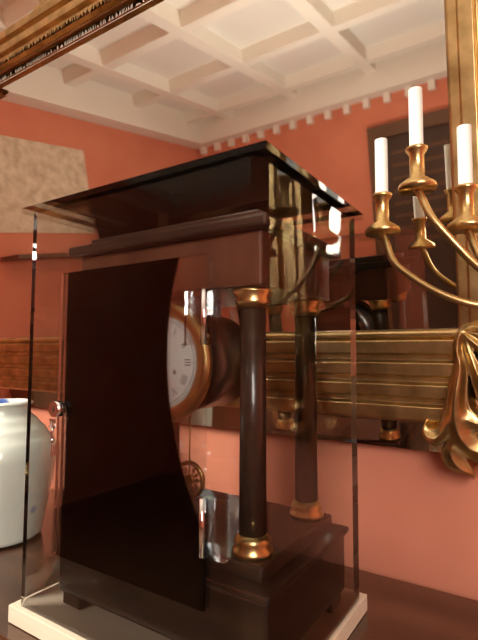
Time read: 5.49
